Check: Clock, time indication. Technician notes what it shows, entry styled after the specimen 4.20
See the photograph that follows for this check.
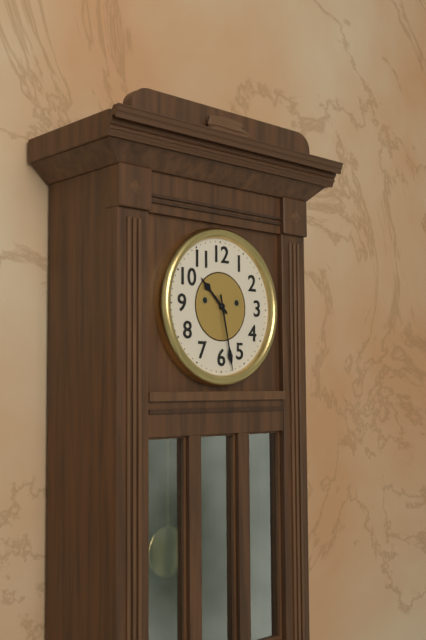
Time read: 10.28
